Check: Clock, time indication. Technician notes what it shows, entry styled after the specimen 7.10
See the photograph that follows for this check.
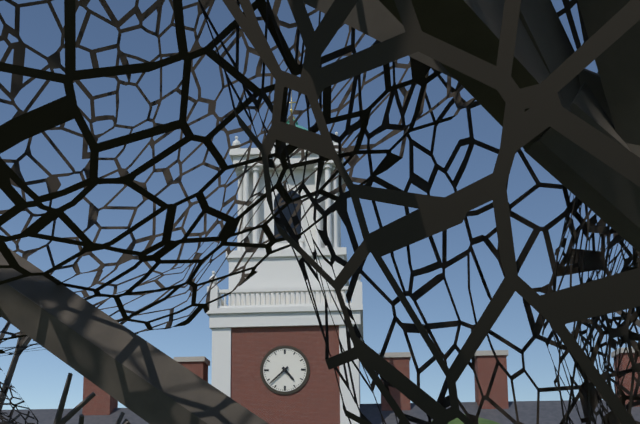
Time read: 4.38
